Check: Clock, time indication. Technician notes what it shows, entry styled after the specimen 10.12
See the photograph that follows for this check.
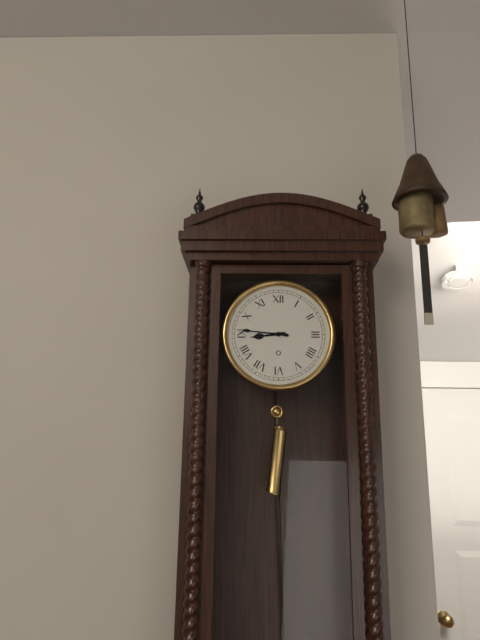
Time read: 8.46
